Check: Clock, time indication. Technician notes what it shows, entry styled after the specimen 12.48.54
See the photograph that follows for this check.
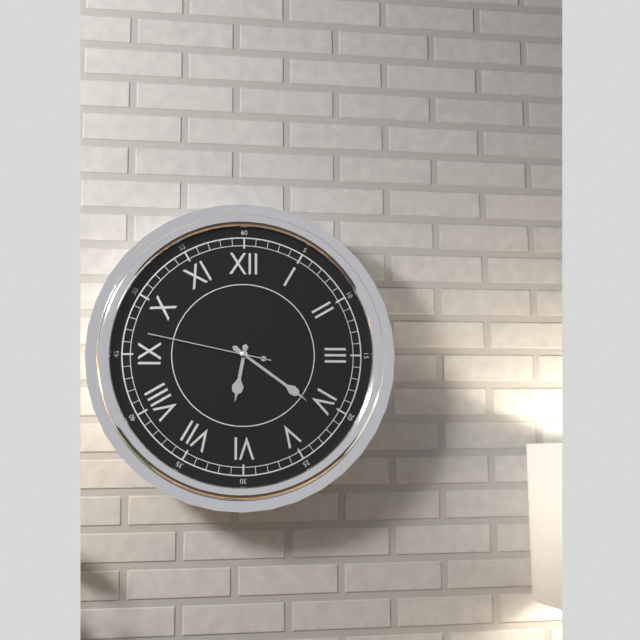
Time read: 6.21.47
